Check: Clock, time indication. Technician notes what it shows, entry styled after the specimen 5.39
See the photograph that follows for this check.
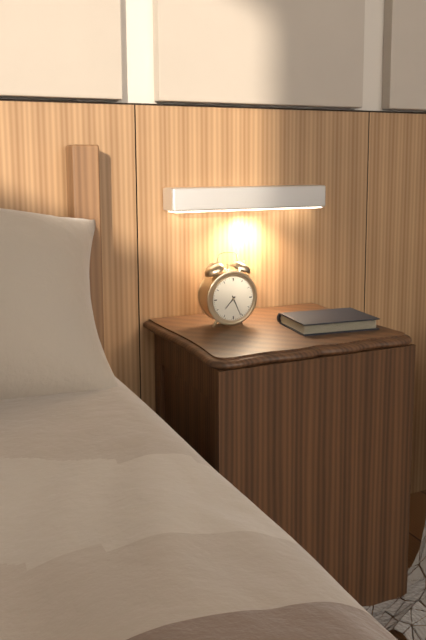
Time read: 7.26
